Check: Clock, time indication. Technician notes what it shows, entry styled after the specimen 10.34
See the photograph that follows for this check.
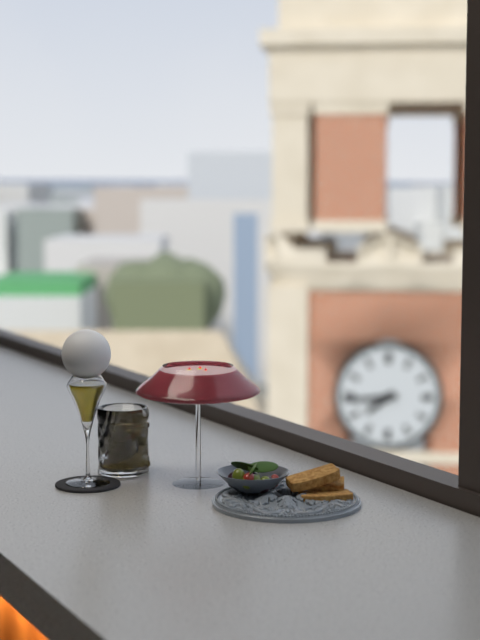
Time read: 7.44
